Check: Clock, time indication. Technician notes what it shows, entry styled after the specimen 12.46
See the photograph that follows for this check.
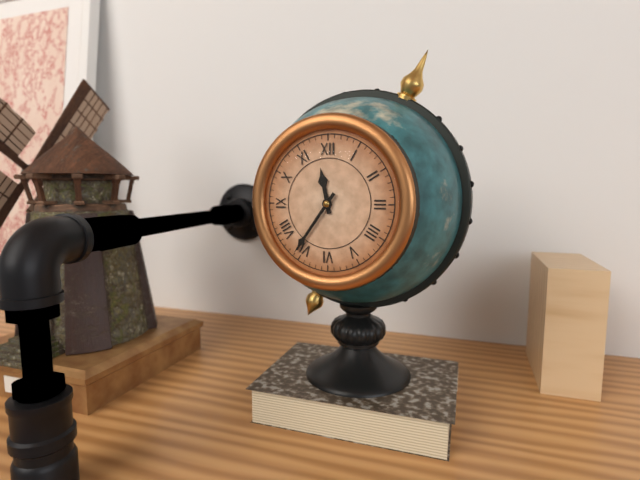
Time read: 11.36
